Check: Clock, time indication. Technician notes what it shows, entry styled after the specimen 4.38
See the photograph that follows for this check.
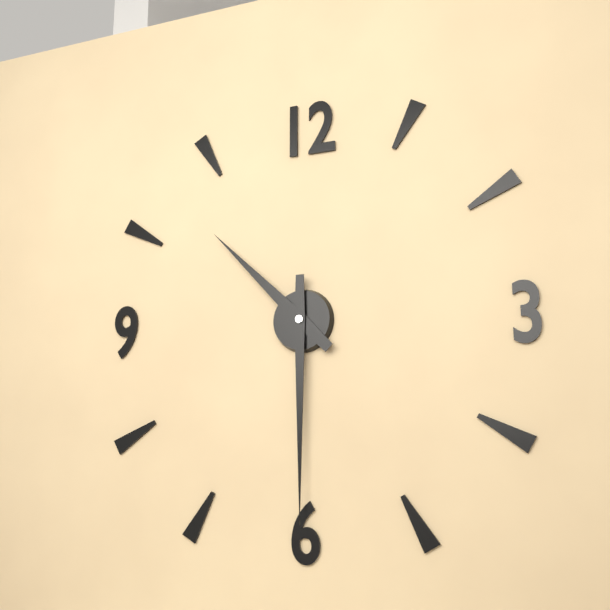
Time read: 10.30
